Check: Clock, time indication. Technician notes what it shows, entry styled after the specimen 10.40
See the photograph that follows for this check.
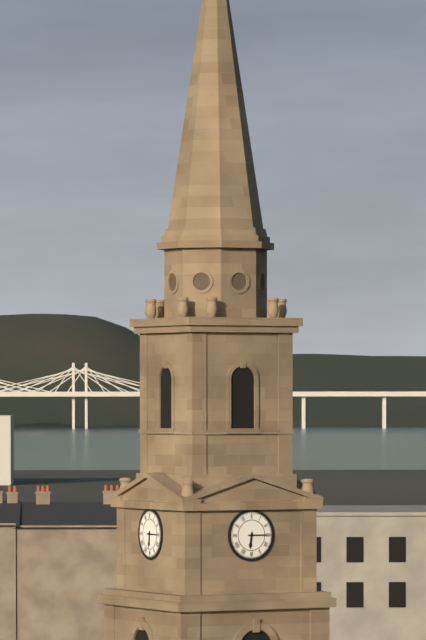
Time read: 6.15
